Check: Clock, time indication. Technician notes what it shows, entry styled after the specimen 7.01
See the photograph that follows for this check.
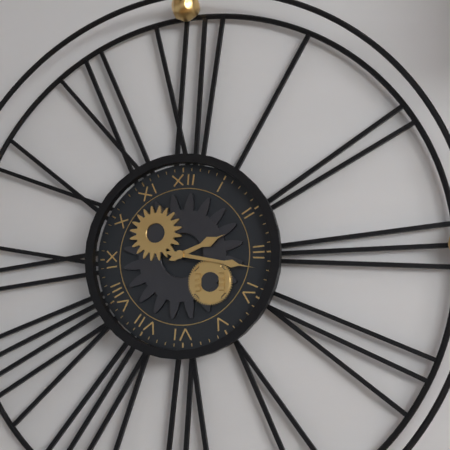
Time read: 2.17
